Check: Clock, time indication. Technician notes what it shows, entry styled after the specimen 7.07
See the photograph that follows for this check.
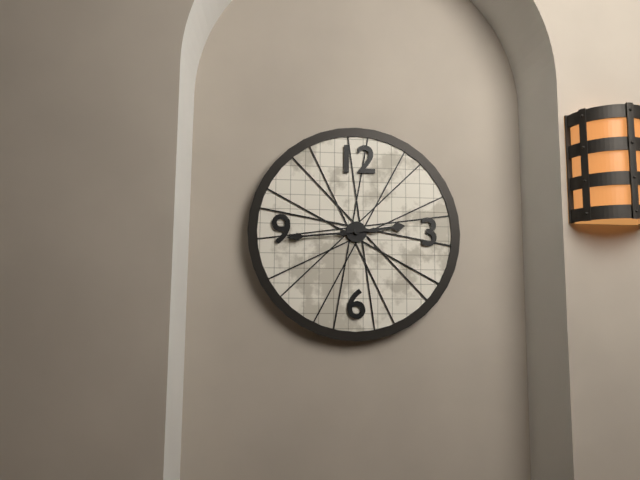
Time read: 2.44
